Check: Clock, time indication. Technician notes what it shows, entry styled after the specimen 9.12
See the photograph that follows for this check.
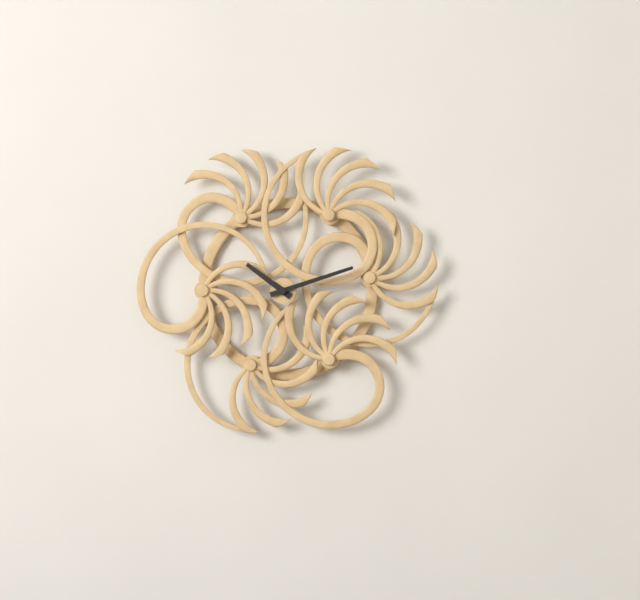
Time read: 10.12
